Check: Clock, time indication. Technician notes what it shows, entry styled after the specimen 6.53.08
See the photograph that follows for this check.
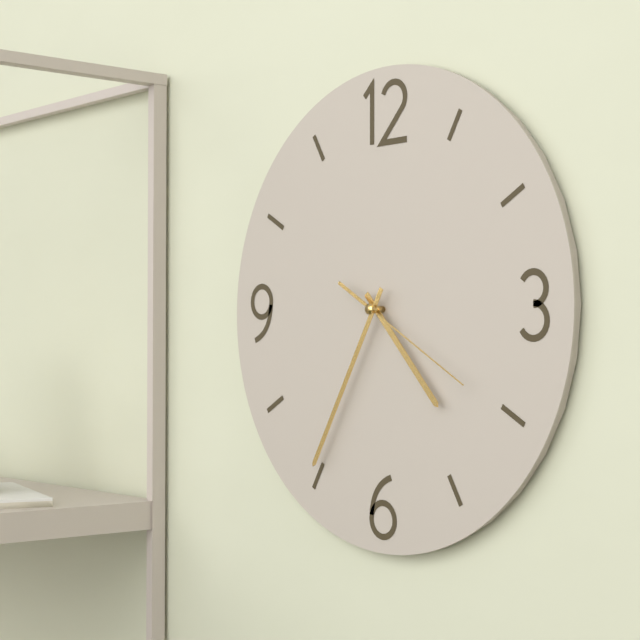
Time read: 4.35.20
